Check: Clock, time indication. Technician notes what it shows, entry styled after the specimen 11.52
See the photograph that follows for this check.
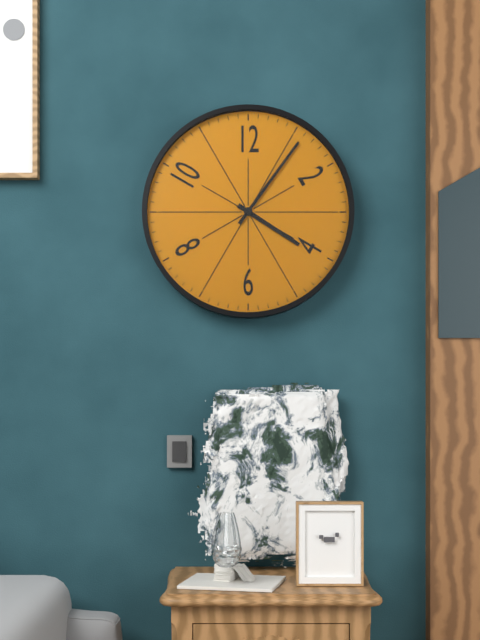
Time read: 4.06
